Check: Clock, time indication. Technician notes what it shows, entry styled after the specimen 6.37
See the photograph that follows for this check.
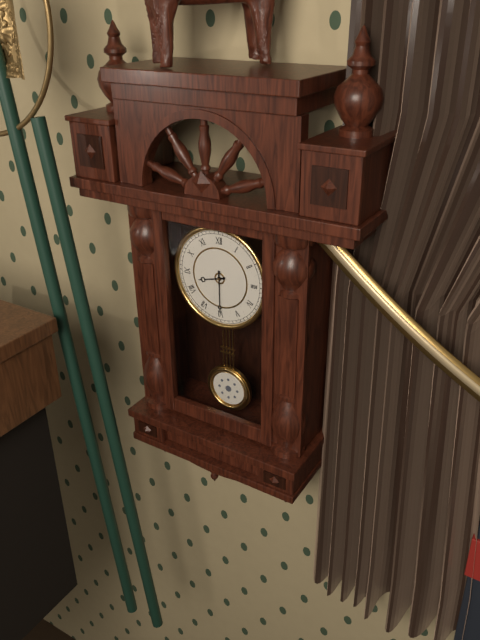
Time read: 8.30
